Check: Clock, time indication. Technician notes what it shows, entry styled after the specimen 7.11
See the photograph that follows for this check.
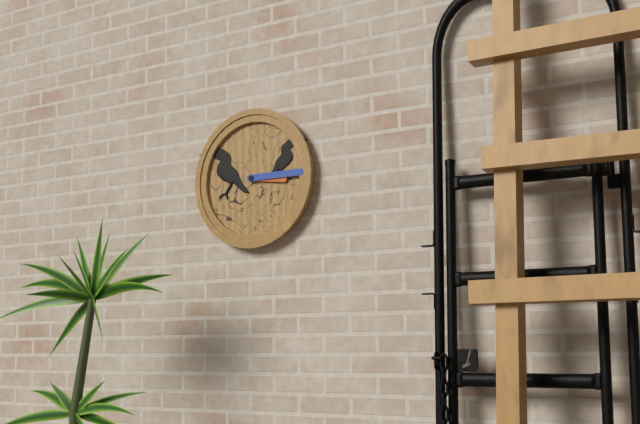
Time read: 3.15
